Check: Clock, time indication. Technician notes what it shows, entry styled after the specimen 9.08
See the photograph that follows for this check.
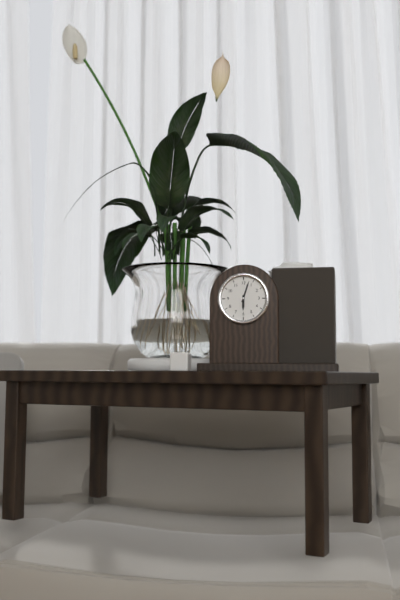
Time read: 6.03
